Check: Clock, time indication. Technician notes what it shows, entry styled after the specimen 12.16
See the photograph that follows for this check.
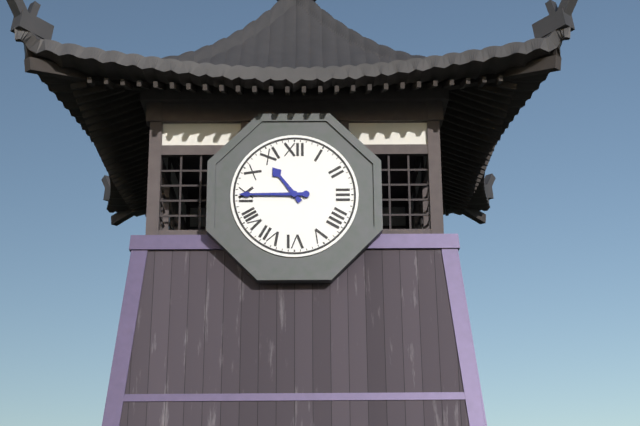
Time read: 10.45
